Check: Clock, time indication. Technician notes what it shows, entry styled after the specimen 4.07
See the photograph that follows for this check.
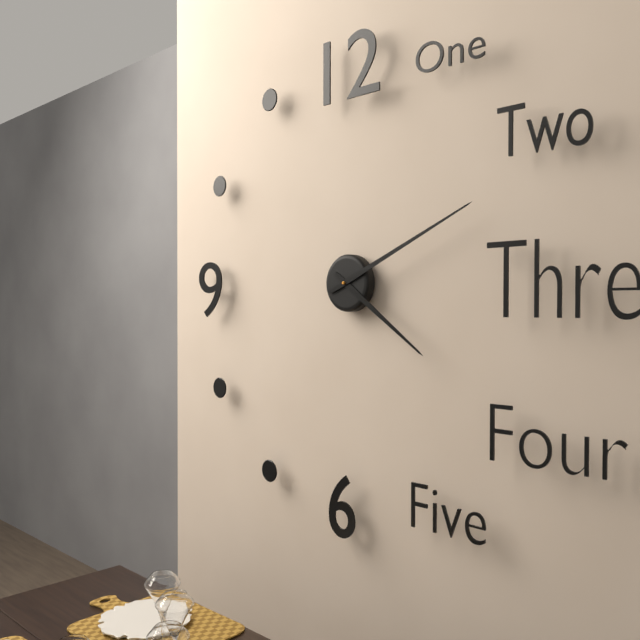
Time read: 4.11
